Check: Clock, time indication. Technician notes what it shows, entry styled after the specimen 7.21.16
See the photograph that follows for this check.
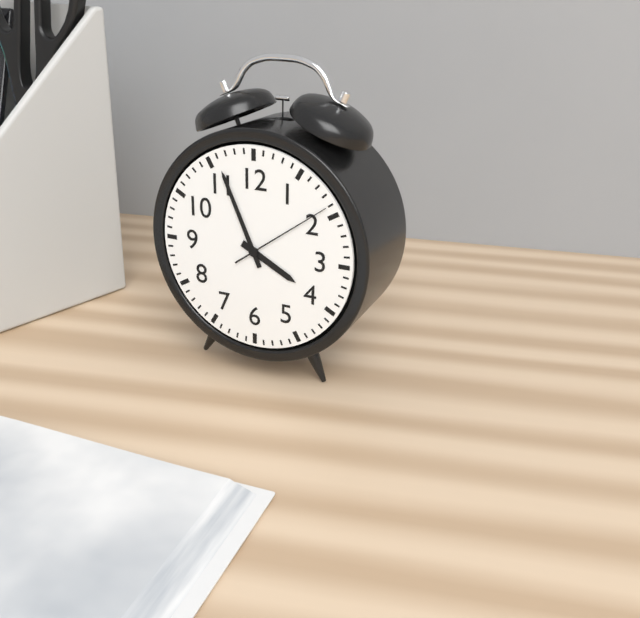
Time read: 3.56.09
